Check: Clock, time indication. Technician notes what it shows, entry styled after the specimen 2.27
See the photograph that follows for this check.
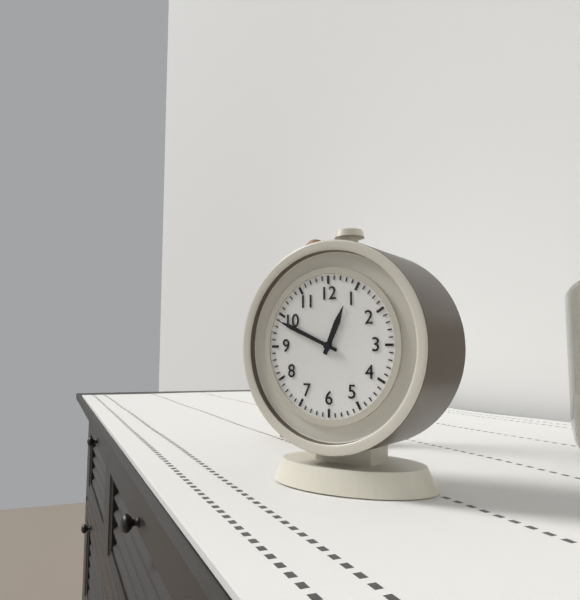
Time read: 12.49
